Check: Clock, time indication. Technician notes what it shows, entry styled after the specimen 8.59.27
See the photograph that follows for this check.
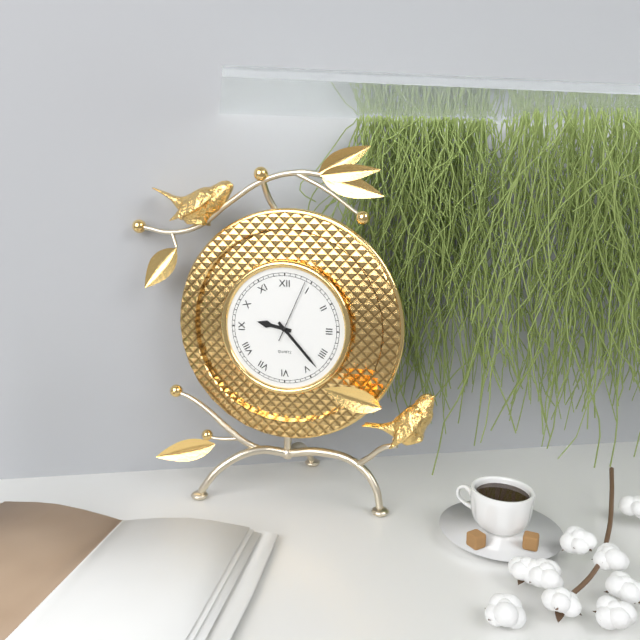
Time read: 9.23.04
